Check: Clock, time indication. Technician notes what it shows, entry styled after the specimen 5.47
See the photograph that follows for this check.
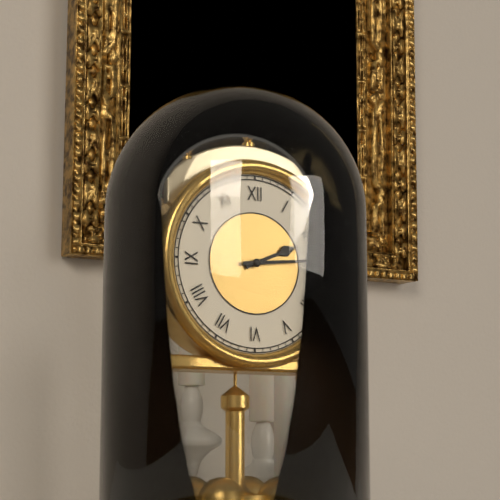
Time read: 2.14
